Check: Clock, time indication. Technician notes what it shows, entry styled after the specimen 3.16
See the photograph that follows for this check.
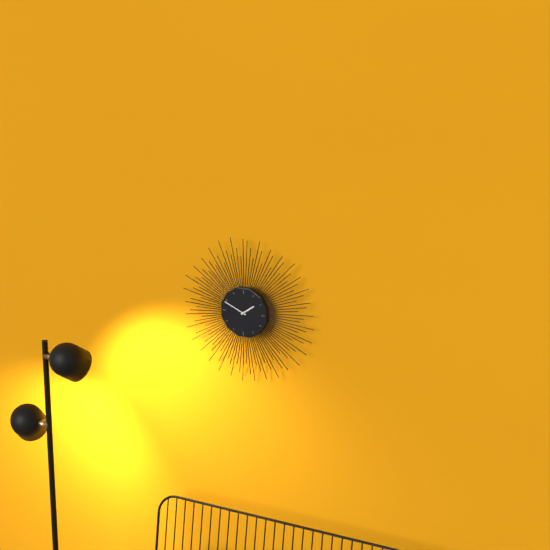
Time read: 1.49
